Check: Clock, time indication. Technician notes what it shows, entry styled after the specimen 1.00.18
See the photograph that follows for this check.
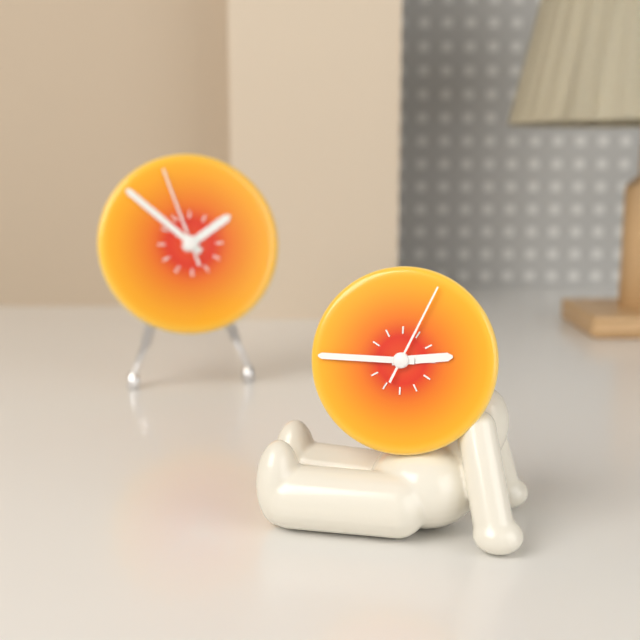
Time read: 2.45.04
